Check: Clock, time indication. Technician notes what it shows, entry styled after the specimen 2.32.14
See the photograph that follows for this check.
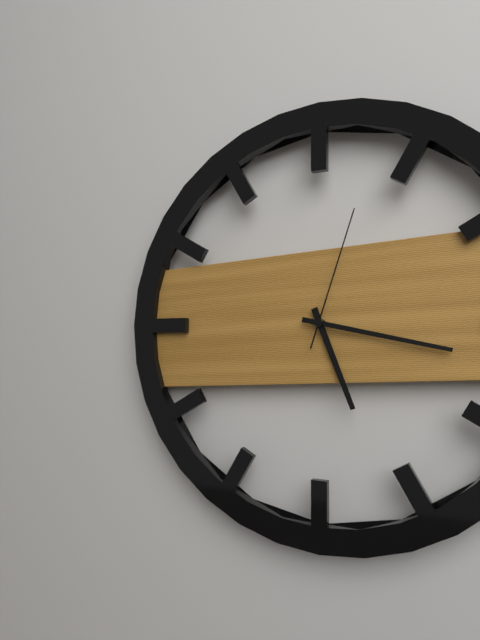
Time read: 5.17.03
